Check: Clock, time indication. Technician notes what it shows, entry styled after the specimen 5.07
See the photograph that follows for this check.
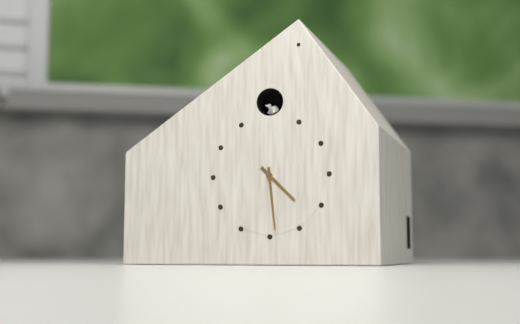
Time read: 4.29
